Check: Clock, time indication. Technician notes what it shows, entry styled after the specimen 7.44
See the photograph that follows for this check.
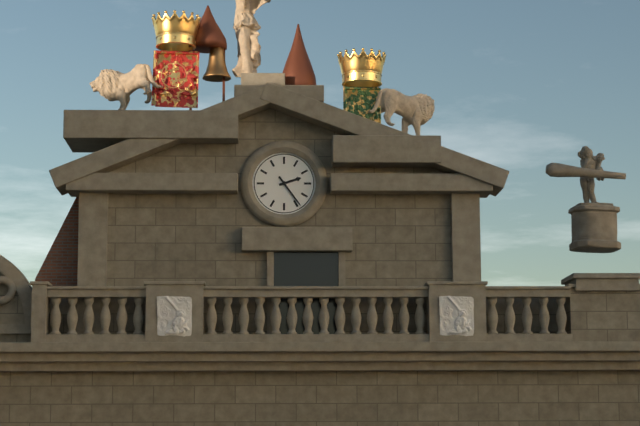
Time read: 2.24
